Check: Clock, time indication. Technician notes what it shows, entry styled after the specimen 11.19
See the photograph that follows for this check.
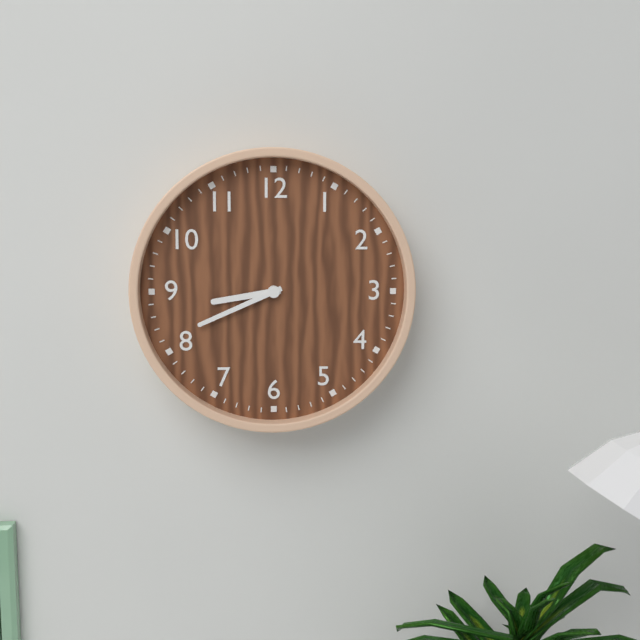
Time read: 8.41
